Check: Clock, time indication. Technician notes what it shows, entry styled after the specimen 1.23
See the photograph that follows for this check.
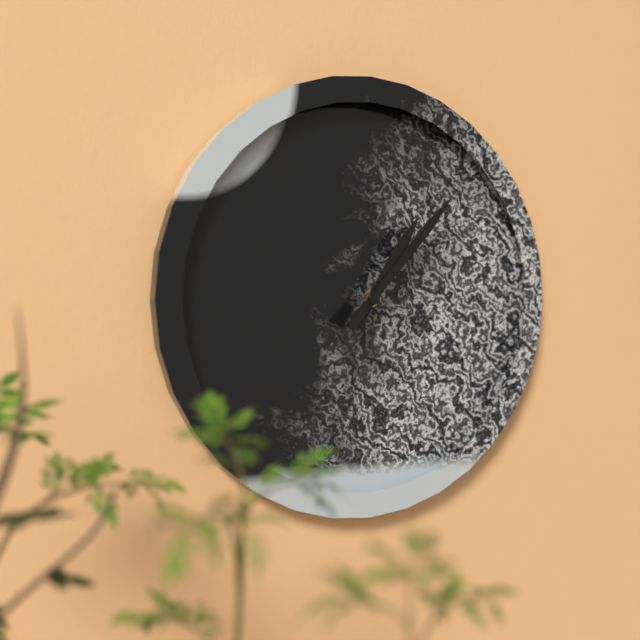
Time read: 1.07
